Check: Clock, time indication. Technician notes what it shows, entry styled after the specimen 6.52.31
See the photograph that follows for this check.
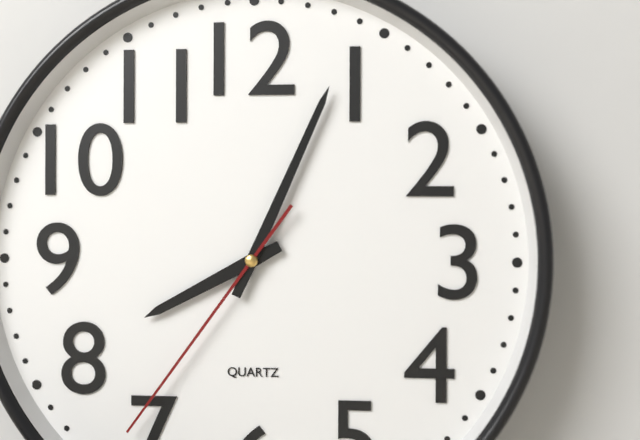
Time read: 8.04.36
